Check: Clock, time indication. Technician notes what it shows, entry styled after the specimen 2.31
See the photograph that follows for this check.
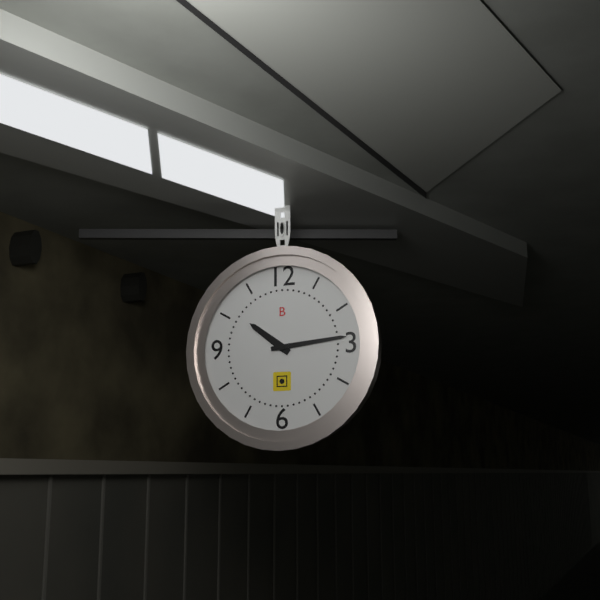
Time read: 10.14
